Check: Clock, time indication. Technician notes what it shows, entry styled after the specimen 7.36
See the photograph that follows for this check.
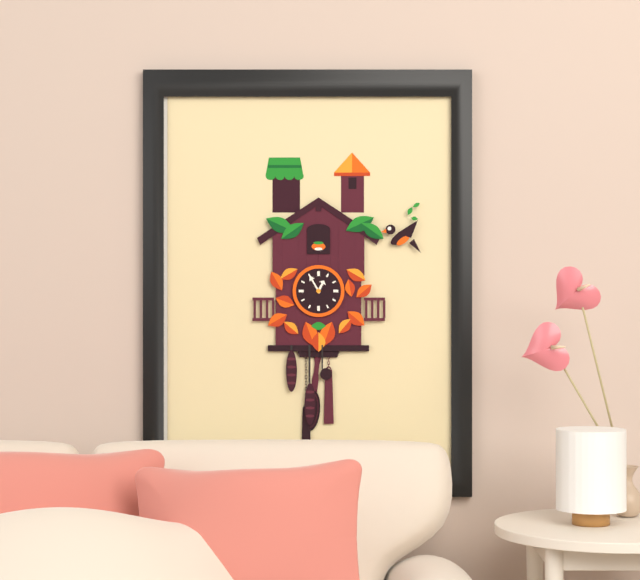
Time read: 12.55
